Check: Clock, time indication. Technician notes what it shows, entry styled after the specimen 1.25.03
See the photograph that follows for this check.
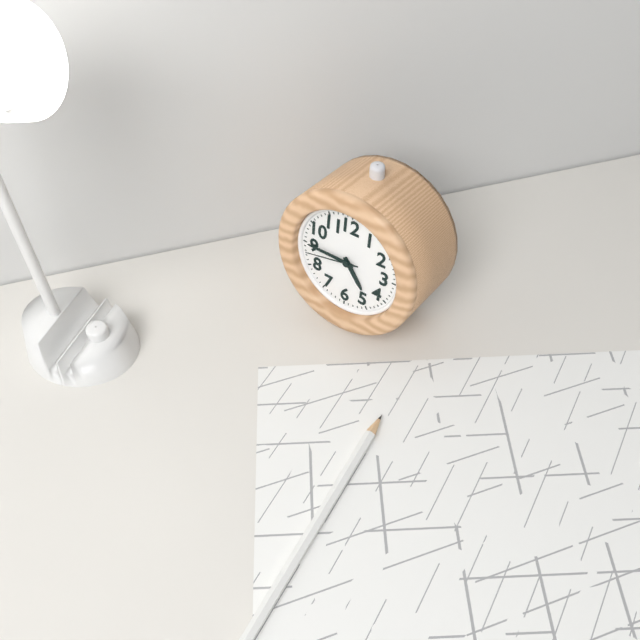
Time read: 4.45.43
